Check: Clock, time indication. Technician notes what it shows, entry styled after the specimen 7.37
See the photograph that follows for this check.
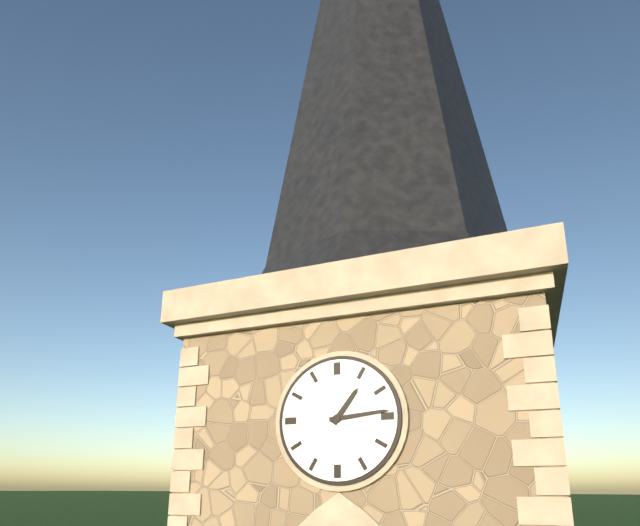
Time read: 1.14
